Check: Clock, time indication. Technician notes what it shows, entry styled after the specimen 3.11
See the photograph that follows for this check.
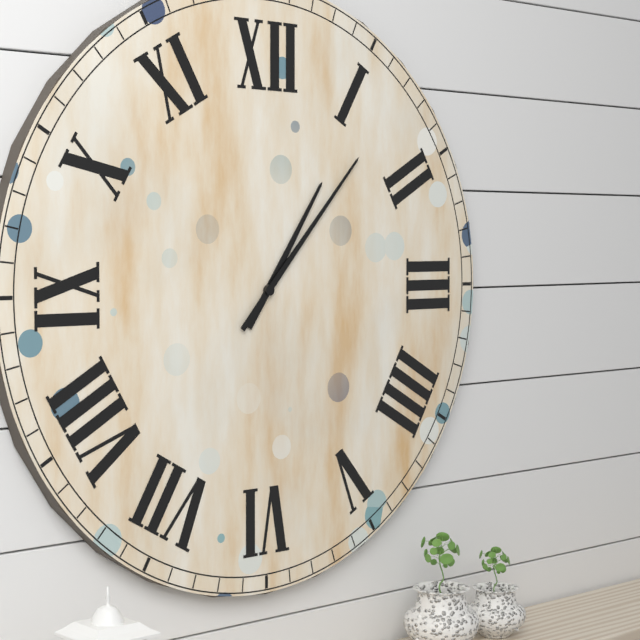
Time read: 1.07
